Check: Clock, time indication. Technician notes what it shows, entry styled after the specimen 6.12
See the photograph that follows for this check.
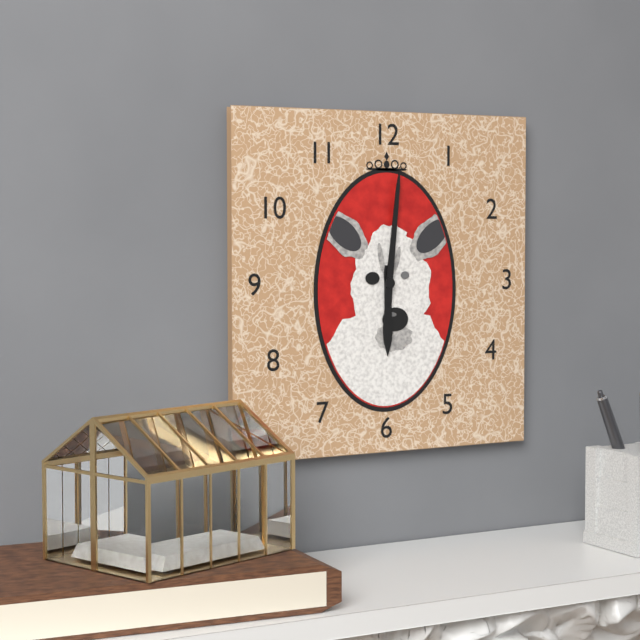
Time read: 6.01
